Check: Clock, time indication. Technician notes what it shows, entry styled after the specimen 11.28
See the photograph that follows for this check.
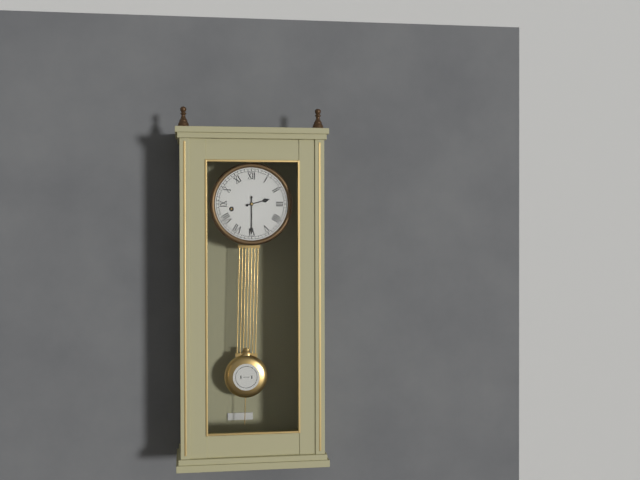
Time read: 2.30
